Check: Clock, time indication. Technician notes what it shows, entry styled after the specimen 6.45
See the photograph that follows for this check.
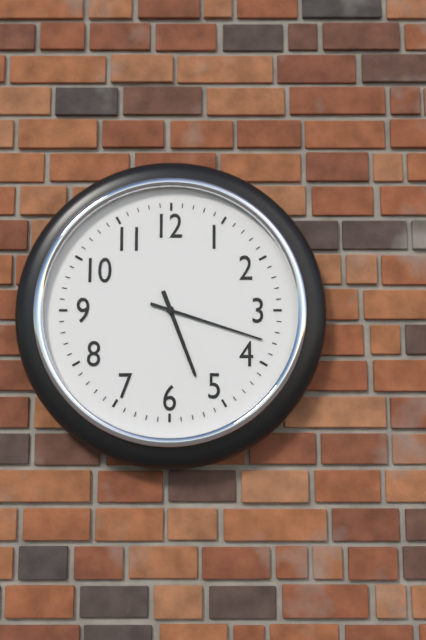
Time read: 5.18
